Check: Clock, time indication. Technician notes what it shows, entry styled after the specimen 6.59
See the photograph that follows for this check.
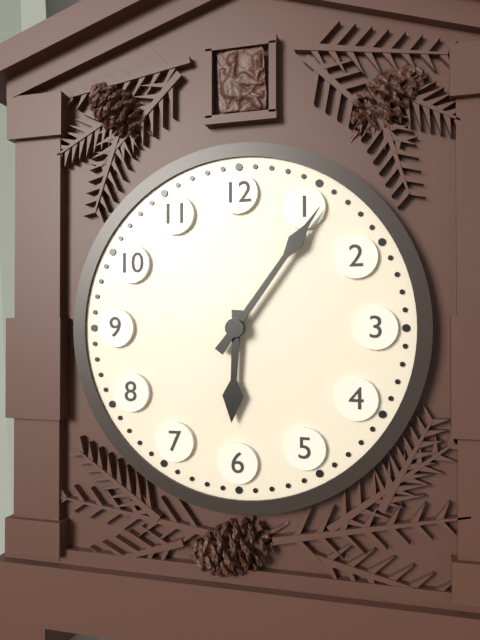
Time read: 6.06
